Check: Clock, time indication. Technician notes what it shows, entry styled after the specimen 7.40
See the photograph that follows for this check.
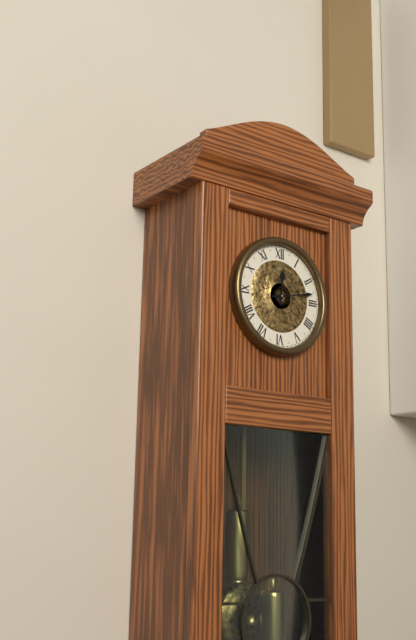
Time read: 12.13
